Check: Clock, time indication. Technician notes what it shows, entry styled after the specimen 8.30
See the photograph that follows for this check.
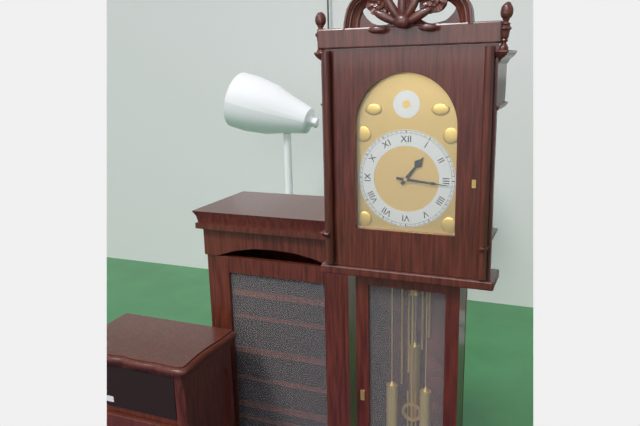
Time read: 1.16
